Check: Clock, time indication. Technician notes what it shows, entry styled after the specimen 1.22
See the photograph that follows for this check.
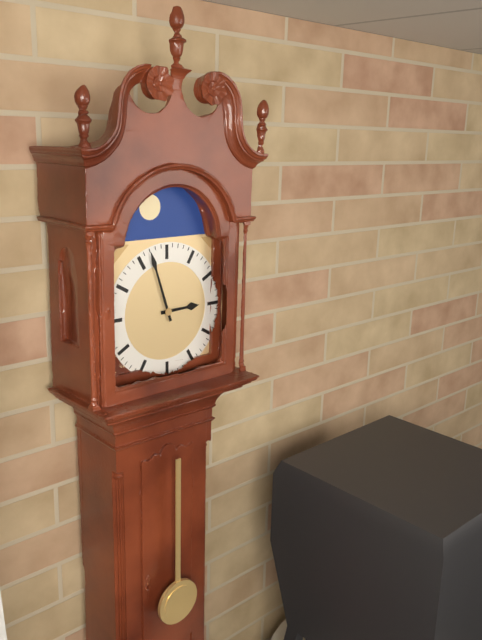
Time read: 2.57
